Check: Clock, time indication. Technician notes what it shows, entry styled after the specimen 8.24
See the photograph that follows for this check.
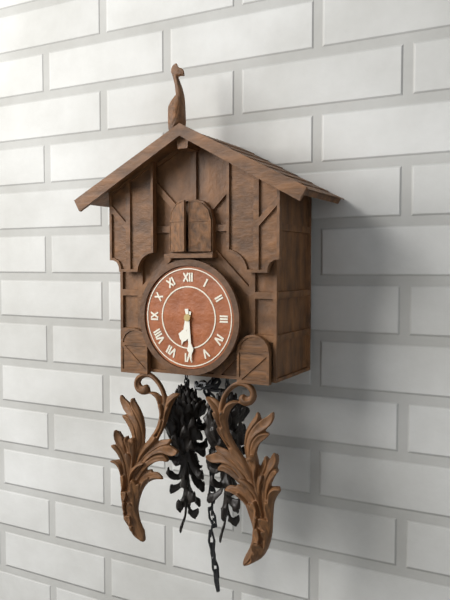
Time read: 6.29
